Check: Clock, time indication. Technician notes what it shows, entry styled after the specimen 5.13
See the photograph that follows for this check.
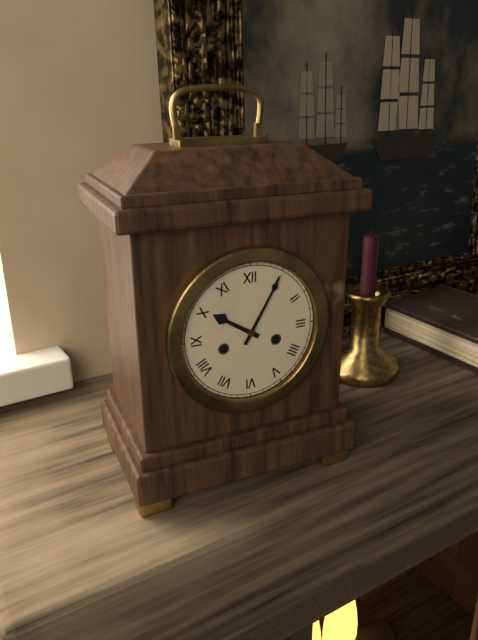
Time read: 10.05
